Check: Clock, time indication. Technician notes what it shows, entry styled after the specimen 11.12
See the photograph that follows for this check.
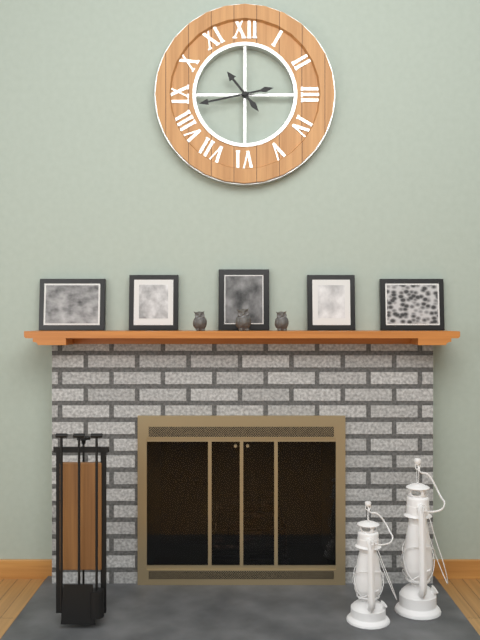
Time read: 10.43
